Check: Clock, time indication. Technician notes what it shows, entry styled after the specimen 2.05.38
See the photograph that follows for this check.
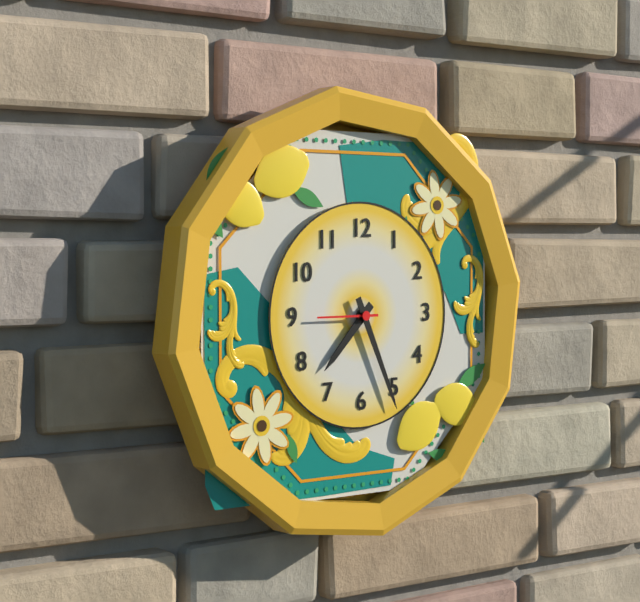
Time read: 7.26.45
